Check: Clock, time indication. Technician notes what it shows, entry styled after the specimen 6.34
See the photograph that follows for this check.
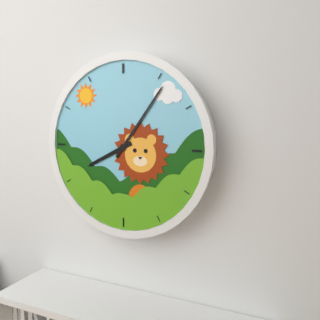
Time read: 8.06
